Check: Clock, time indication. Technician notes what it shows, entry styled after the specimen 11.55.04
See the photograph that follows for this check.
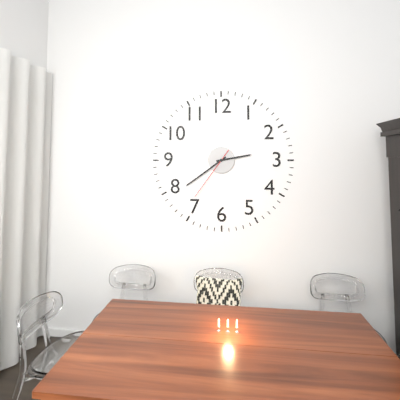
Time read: 2.39.36
